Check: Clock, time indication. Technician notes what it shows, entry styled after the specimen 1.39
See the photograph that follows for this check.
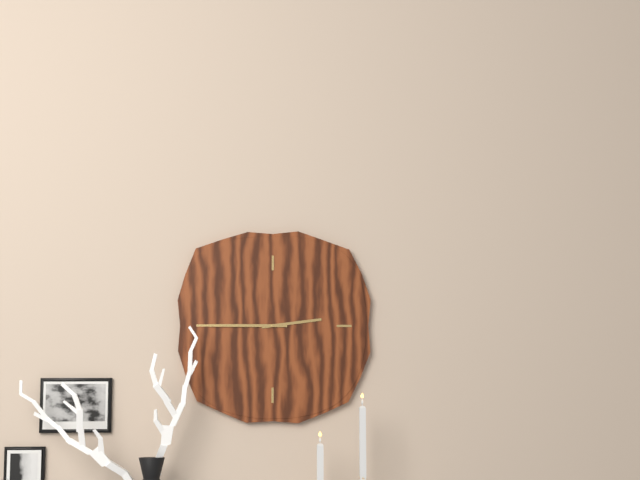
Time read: 2.45
